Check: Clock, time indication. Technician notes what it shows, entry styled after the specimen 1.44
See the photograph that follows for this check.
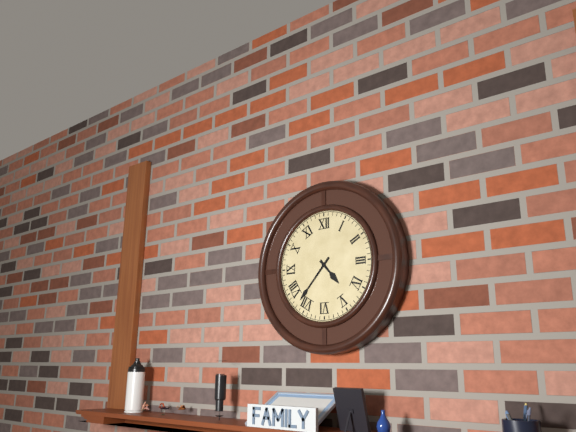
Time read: 4.37
